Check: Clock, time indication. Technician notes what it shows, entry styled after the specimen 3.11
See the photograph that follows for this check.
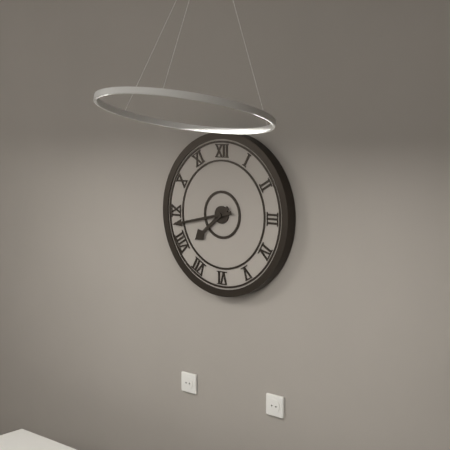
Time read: 7.43
